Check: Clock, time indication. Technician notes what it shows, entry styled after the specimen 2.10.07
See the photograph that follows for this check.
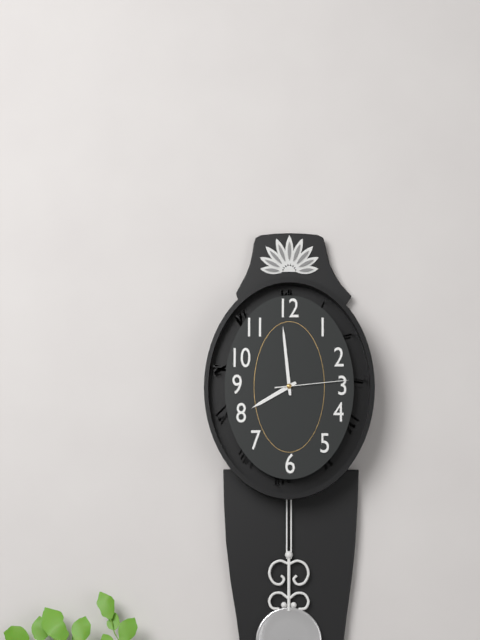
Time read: 7.59.14
